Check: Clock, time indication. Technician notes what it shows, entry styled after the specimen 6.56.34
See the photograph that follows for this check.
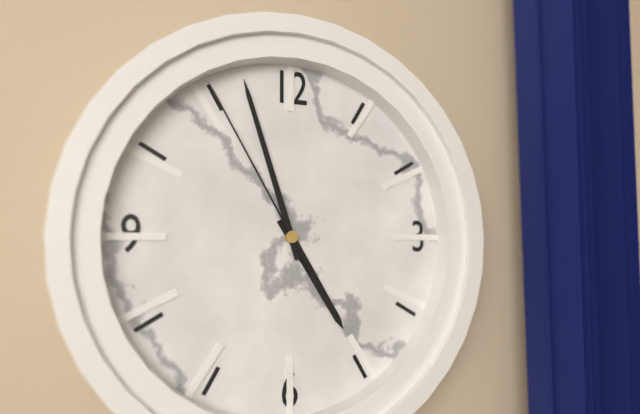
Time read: 4.57.55
